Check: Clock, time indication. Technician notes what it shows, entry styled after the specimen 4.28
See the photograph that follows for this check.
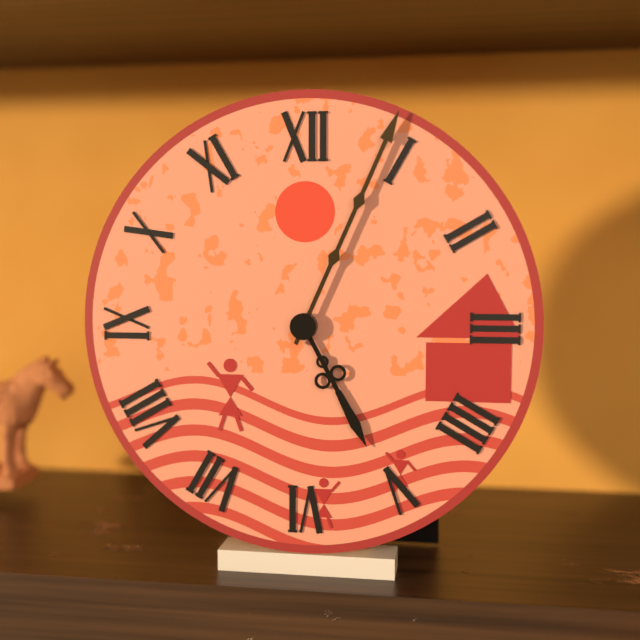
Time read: 5.04
